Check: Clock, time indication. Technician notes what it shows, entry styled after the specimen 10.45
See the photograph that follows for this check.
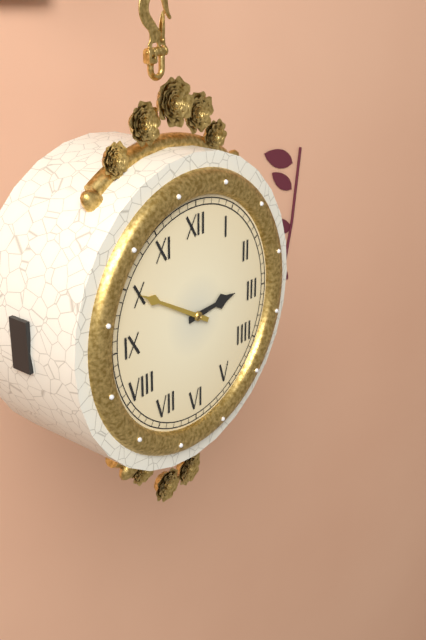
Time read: 2.50
